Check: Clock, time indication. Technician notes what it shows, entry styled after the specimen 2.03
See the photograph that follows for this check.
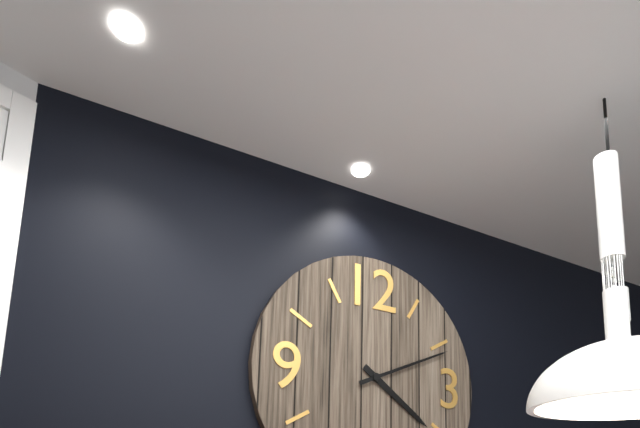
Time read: 4.11
